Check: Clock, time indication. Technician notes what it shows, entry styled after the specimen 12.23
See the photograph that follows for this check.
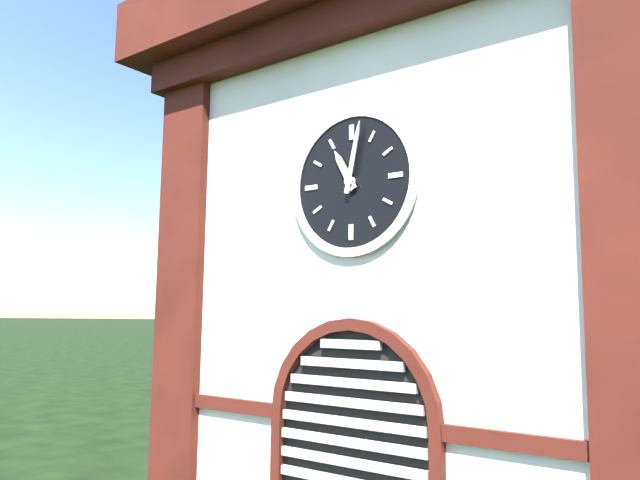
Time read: 11.02
